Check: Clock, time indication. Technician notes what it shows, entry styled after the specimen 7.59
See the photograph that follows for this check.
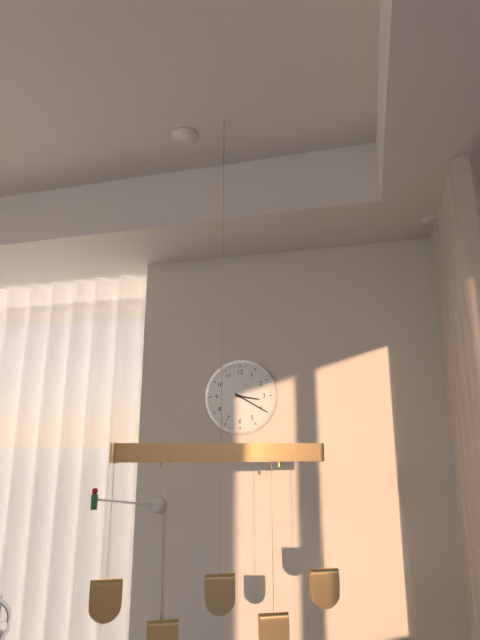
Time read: 3.20
